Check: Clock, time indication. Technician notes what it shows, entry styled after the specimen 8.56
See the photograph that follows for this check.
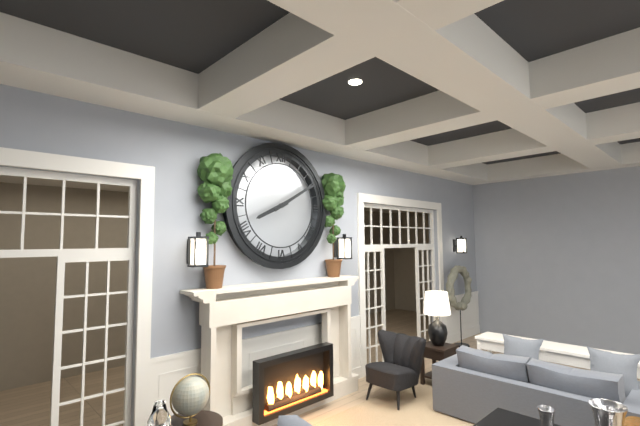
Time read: 8.10
